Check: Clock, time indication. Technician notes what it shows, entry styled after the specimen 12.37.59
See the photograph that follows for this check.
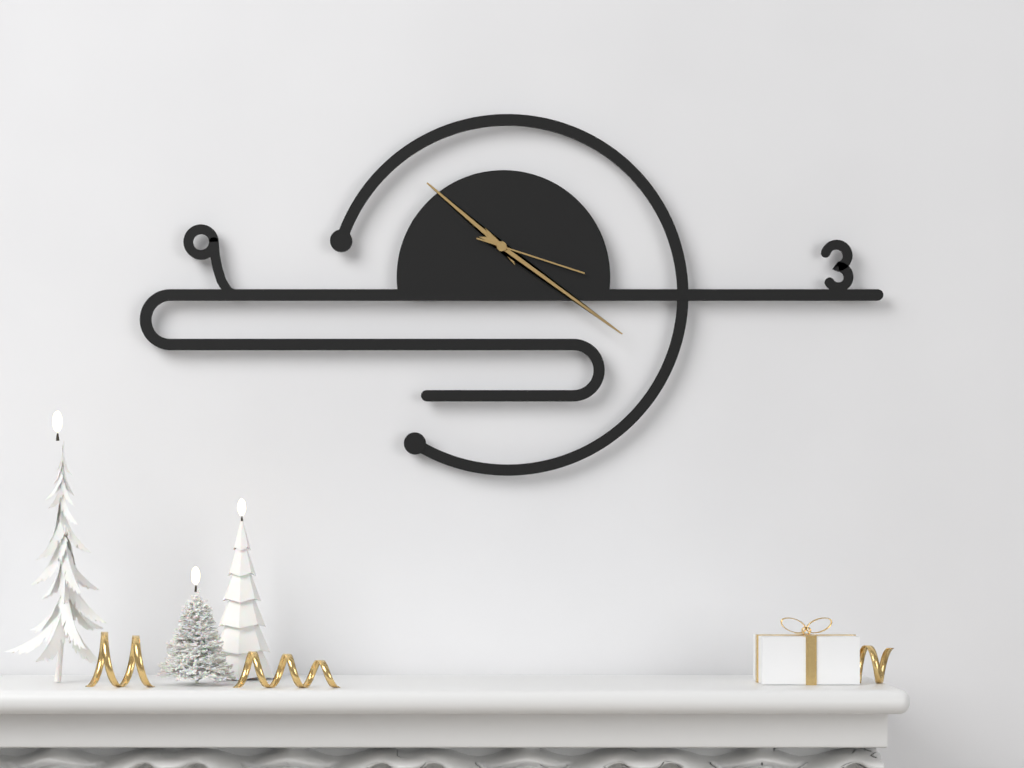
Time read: 10.21.18
